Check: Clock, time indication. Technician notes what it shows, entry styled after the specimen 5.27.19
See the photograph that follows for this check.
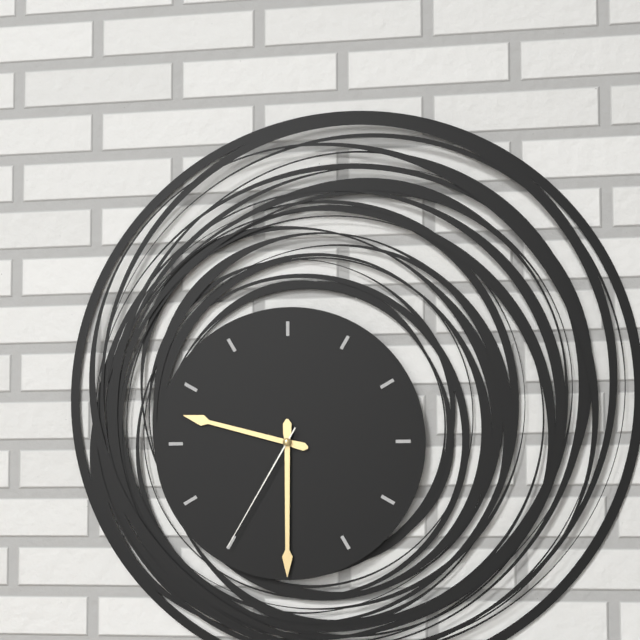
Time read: 9.30.35
